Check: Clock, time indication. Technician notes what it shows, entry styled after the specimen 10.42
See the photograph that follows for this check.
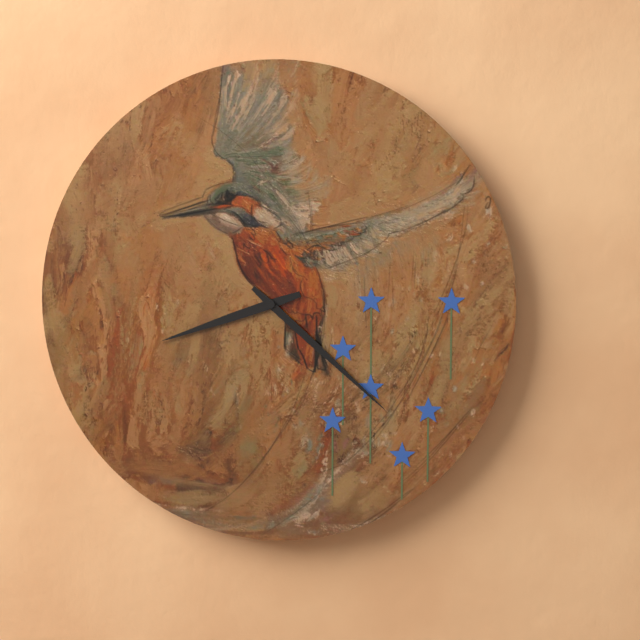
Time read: 8.22
